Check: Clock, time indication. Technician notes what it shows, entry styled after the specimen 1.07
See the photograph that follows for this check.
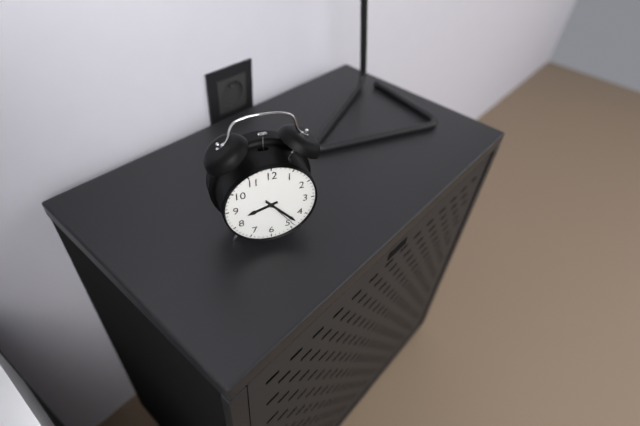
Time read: 8.23
